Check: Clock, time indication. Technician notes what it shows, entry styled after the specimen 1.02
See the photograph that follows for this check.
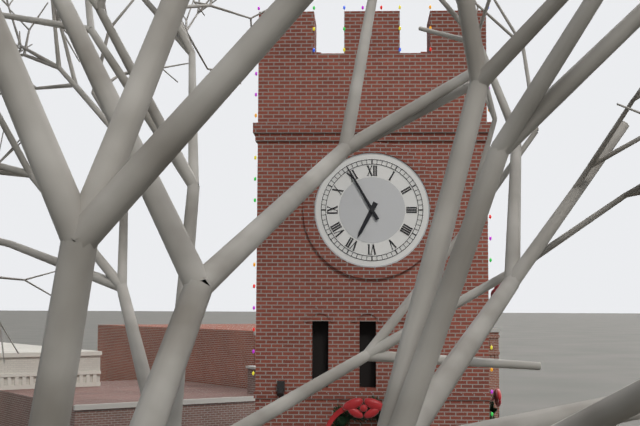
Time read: 6.55
